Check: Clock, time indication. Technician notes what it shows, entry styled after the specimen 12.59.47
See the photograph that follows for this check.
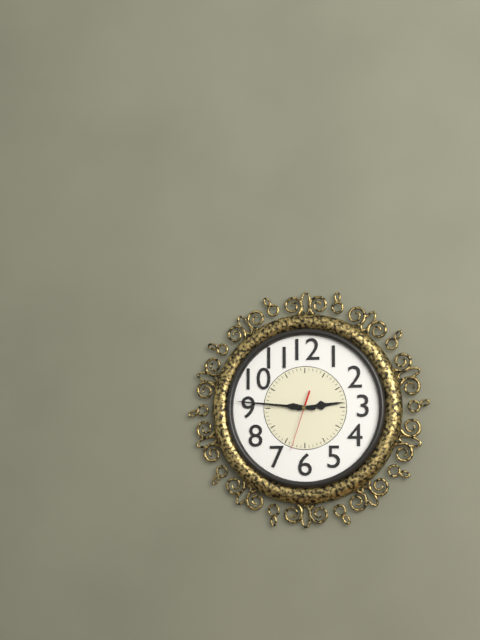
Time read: 2.46.33
